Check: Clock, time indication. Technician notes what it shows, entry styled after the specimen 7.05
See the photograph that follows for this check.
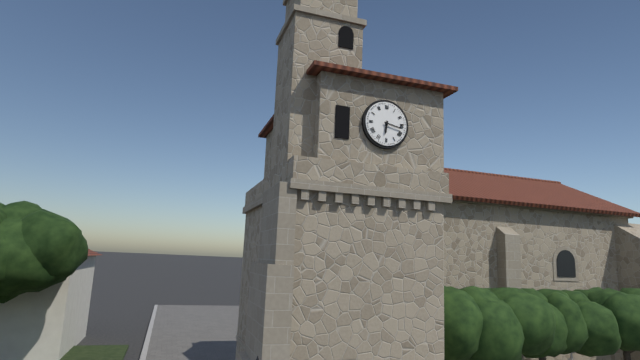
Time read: 6.17
